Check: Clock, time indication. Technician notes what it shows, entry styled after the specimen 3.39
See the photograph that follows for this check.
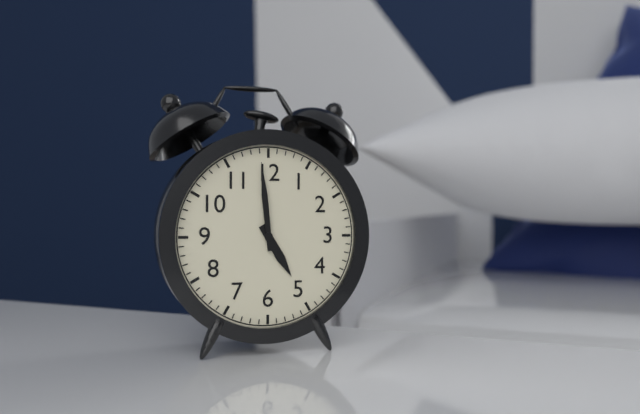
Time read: 4.59
